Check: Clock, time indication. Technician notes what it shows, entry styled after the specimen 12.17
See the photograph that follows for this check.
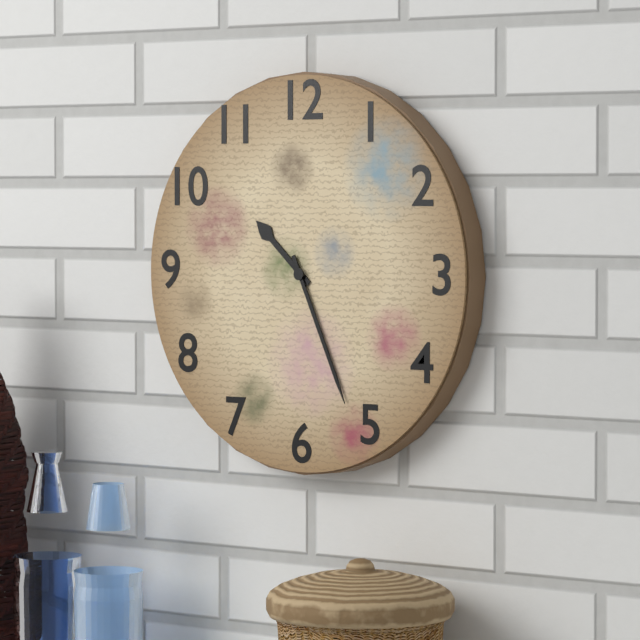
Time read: 10.26
